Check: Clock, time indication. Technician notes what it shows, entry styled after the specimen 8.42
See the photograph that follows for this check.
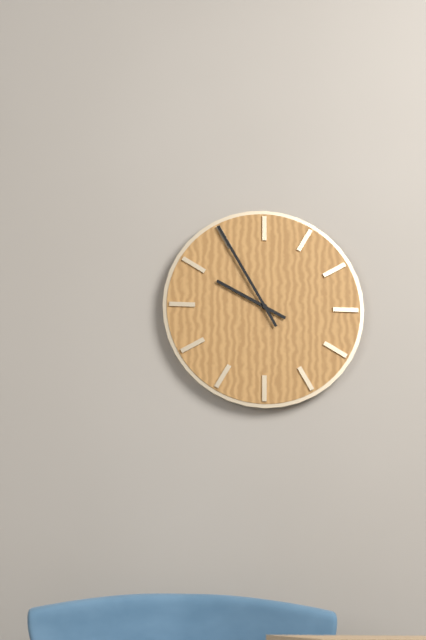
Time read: 9.55
